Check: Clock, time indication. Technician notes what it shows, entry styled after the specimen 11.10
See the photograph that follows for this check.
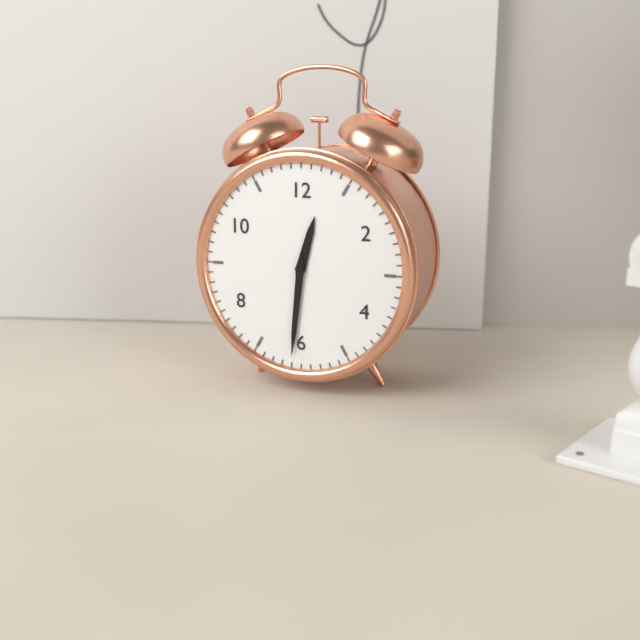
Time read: 12.31
